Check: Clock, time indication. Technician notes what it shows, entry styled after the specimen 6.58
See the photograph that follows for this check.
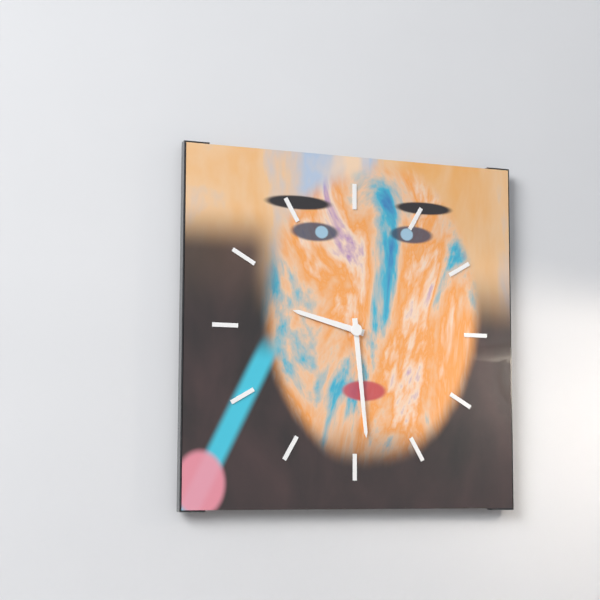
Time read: 9.29
